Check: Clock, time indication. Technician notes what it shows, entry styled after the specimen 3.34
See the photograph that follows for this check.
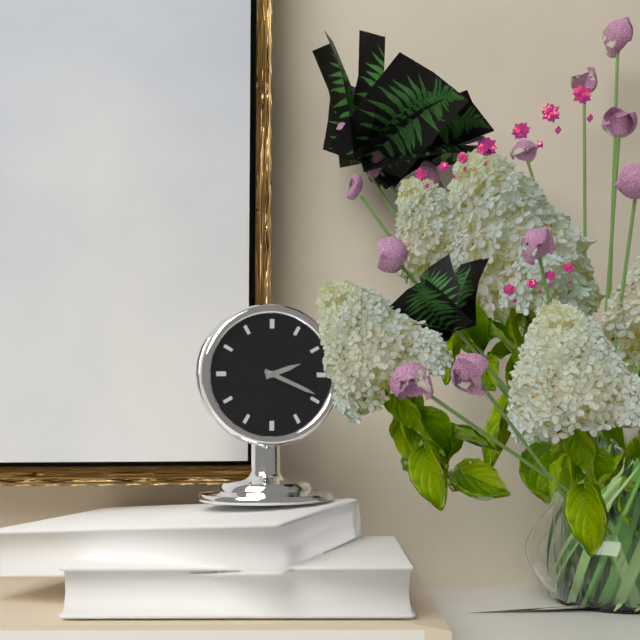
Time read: 2.19
